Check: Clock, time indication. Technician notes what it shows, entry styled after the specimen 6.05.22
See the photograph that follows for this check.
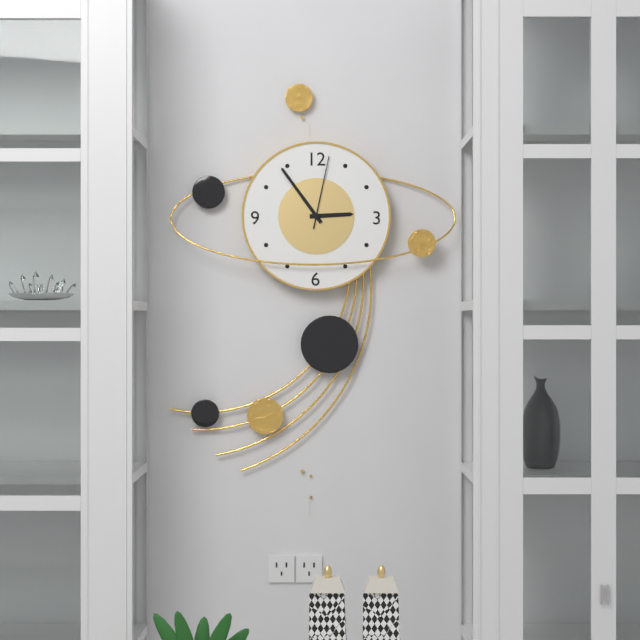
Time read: 2.54.02
